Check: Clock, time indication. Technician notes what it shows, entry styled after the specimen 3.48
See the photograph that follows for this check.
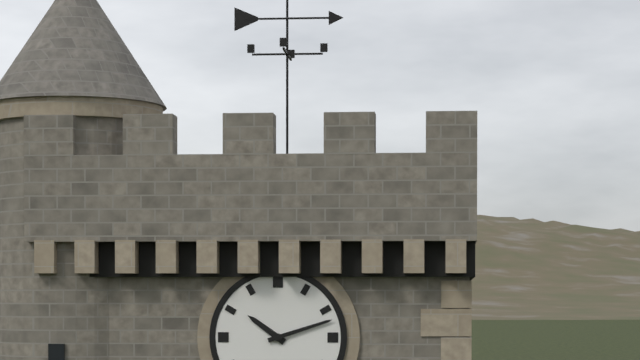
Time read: 10.12
